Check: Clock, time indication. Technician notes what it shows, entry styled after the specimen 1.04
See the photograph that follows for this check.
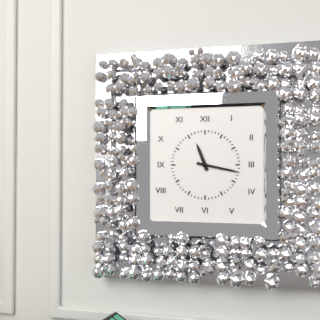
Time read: 11.17
